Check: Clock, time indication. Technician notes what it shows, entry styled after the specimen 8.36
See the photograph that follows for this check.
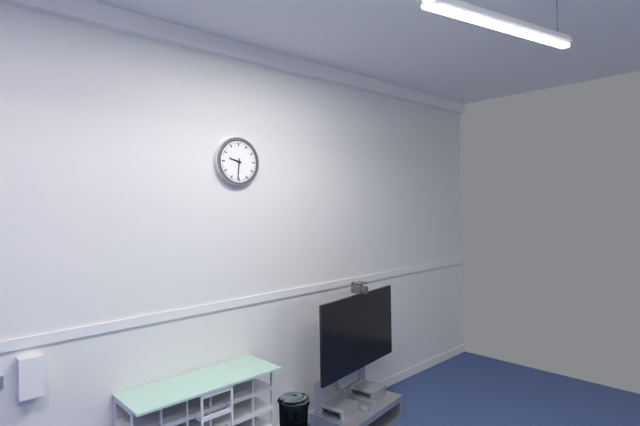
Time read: 9.31
